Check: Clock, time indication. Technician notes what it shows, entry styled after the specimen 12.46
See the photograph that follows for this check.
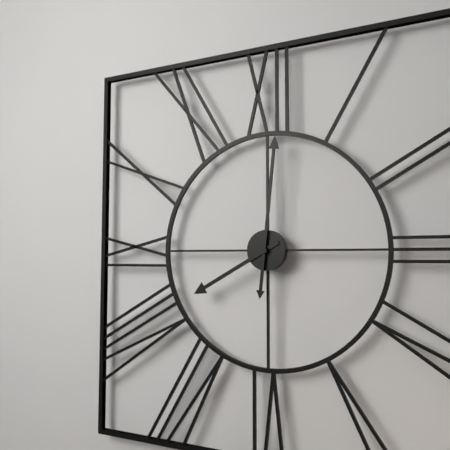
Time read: 8.01
